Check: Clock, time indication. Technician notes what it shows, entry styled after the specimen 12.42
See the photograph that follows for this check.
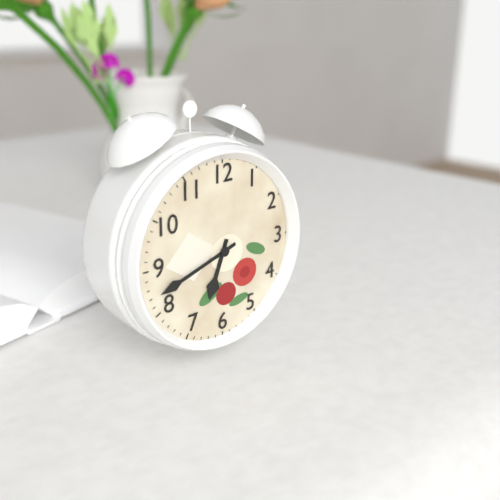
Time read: 6.42
